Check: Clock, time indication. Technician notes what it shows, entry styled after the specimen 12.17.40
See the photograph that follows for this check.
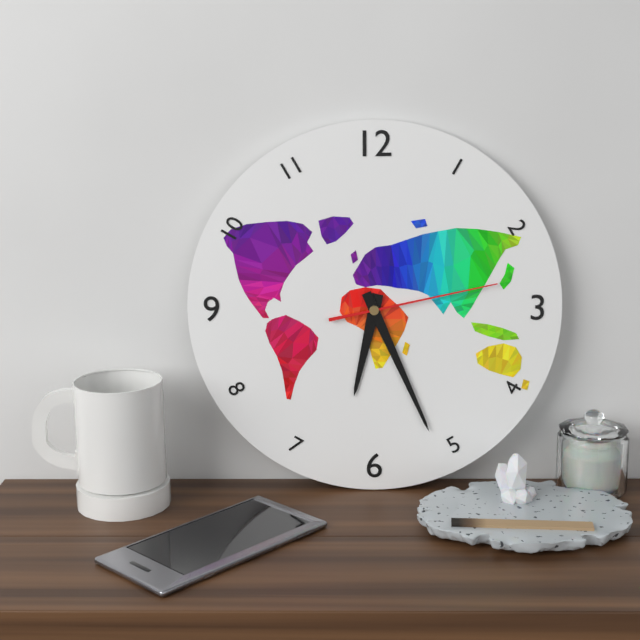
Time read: 6.26.13
